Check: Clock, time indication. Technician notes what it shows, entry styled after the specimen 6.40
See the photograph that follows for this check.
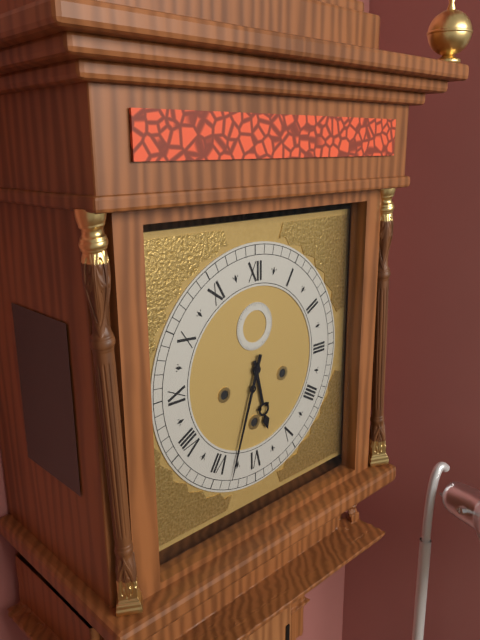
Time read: 5.33
